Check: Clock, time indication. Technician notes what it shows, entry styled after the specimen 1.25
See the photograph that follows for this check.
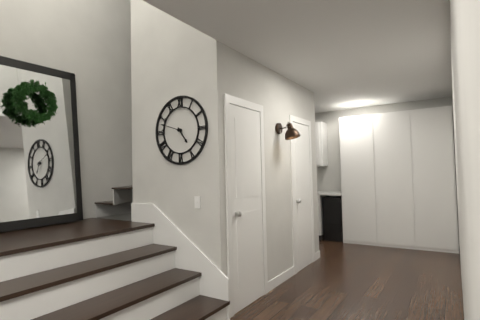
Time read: 4.48
